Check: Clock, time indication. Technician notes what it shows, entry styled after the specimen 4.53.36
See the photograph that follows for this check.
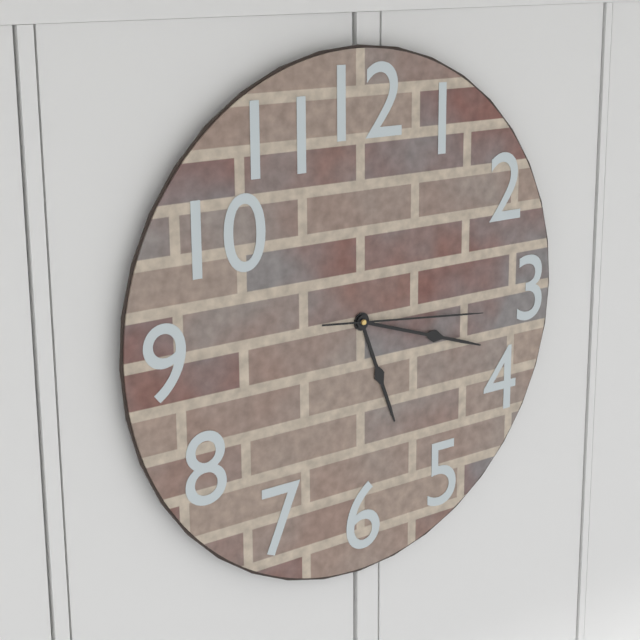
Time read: 5.18.16
